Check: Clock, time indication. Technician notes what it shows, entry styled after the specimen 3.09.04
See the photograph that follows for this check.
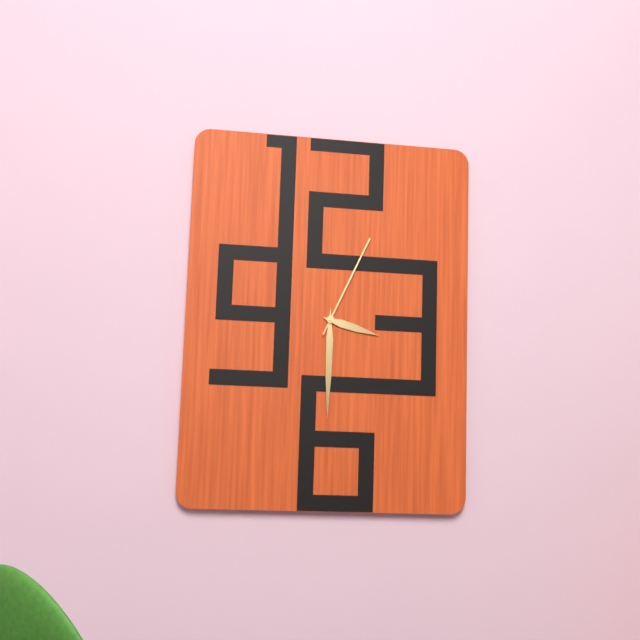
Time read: 3.30.04
